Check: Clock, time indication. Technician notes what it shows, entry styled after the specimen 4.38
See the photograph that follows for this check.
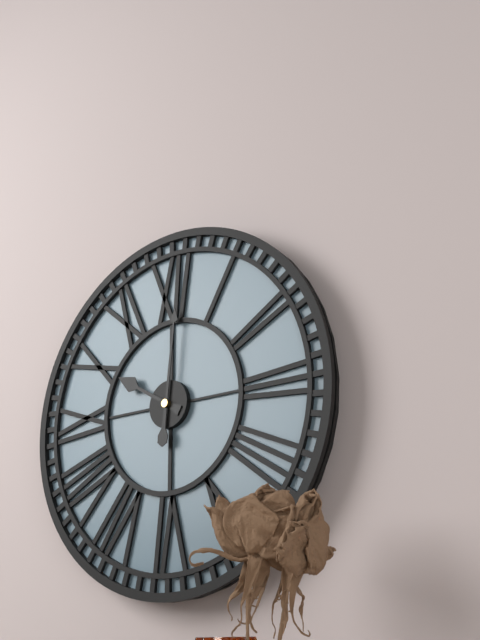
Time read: 10.01
